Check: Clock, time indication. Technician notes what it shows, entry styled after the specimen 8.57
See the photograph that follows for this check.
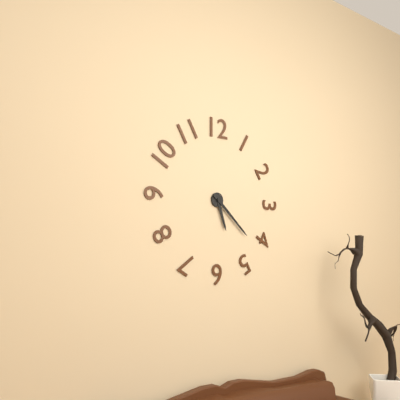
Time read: 5.22
